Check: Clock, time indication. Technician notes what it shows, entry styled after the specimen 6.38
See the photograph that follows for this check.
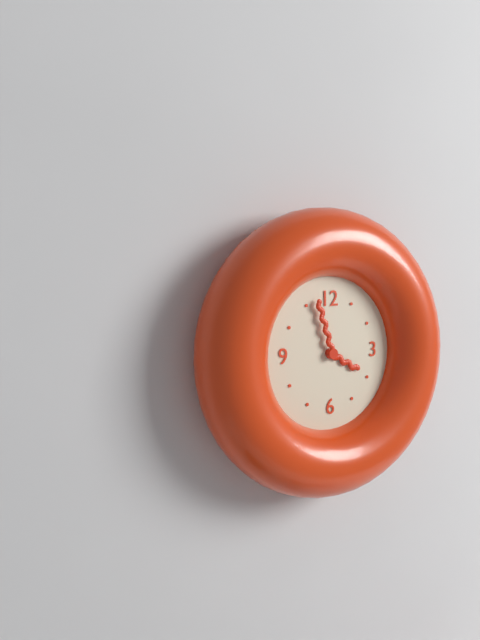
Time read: 3.57
